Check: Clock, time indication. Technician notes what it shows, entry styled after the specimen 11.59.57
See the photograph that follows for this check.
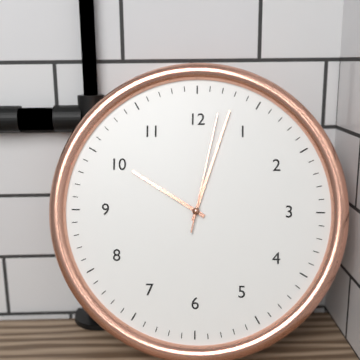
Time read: 10.03.02
